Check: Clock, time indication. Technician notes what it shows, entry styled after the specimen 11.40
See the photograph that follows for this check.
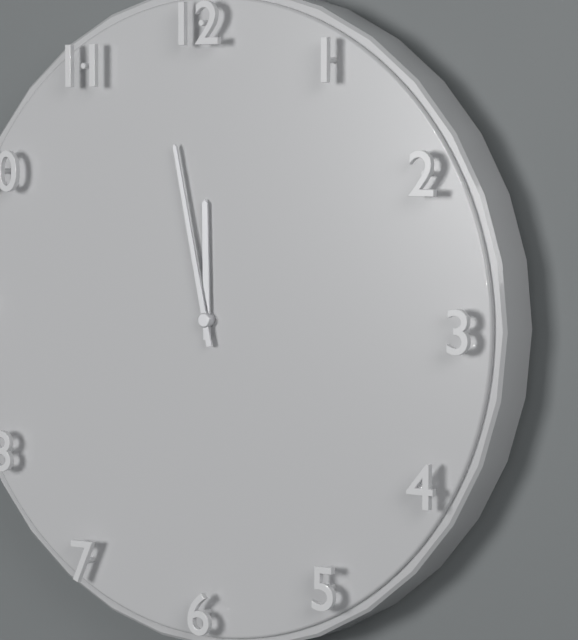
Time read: 11.58
